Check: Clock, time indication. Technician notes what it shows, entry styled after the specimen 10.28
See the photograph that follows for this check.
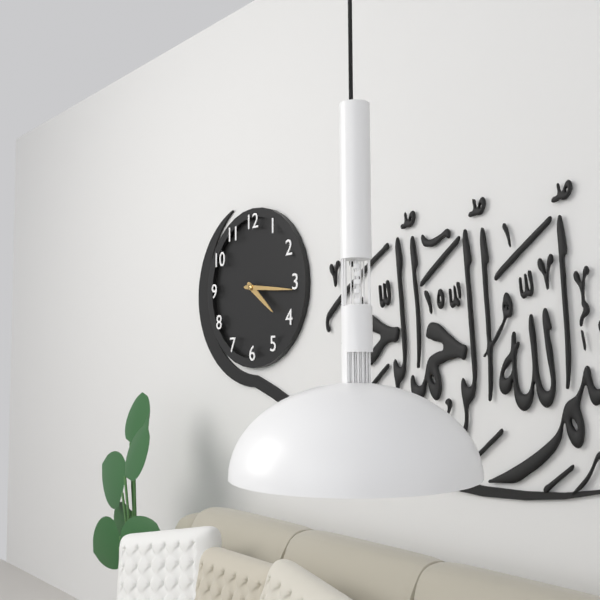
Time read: 4.16
